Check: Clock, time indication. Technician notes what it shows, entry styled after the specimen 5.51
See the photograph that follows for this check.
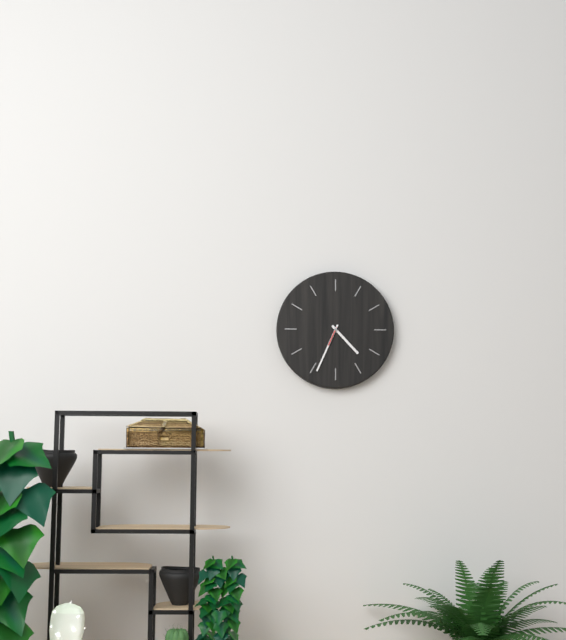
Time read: 4.34
